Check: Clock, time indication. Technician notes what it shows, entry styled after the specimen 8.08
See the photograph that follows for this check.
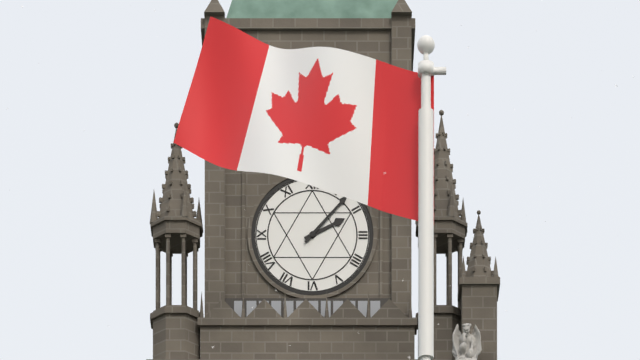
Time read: 2.07
